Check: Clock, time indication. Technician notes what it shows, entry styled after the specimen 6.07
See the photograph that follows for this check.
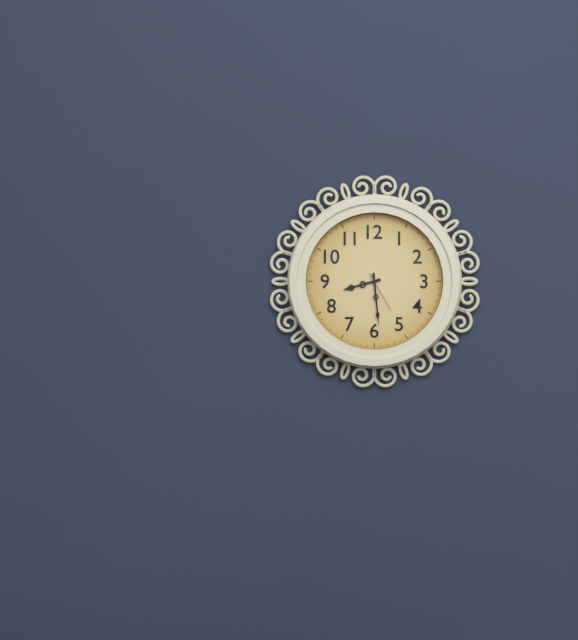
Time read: 8.29
